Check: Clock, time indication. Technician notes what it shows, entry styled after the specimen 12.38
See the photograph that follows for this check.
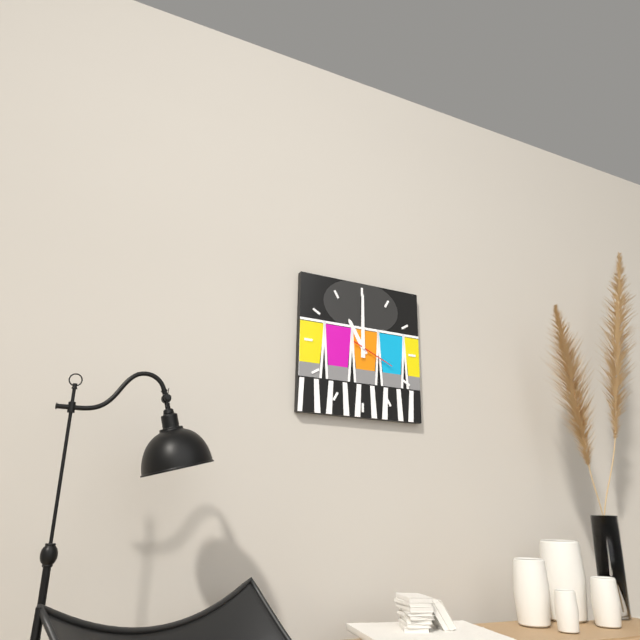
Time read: 11.00
